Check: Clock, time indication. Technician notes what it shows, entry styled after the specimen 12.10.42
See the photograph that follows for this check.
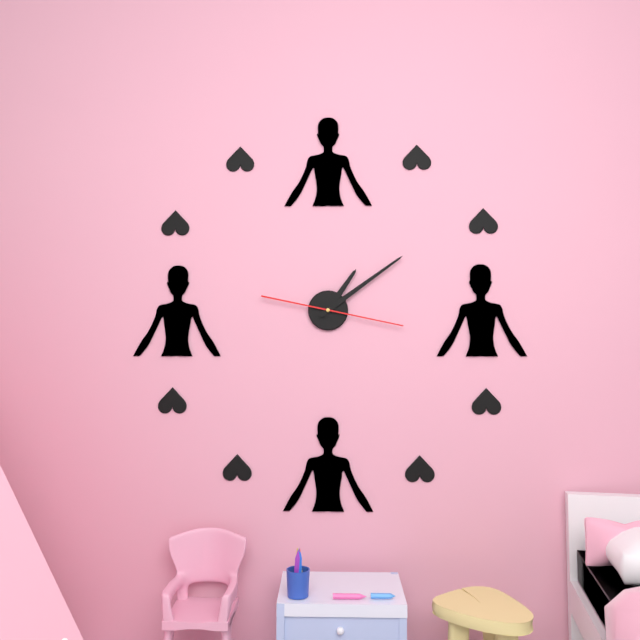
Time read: 1.09.17
